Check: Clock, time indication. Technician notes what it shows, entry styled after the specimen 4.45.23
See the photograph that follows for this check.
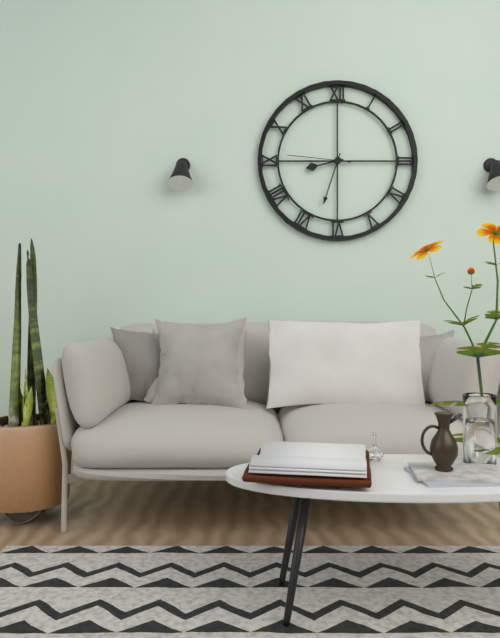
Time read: 8.33.46
